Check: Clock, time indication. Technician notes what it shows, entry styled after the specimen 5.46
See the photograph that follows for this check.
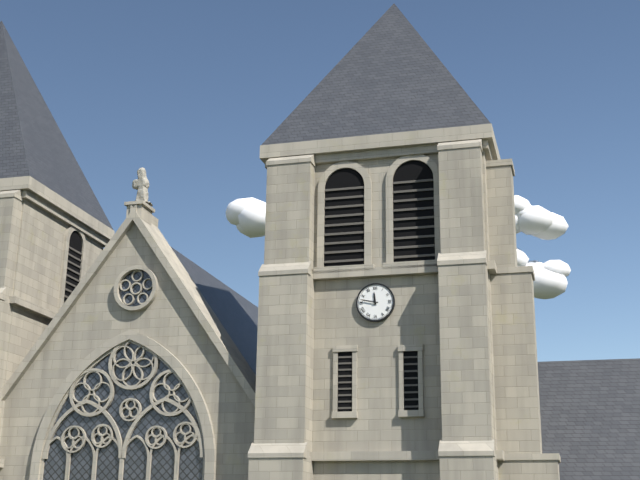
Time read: 11.47
